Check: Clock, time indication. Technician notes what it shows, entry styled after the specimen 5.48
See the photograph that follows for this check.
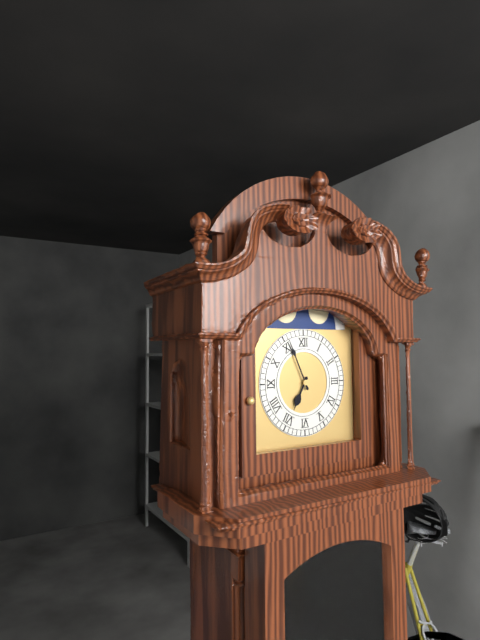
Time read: 6.56
